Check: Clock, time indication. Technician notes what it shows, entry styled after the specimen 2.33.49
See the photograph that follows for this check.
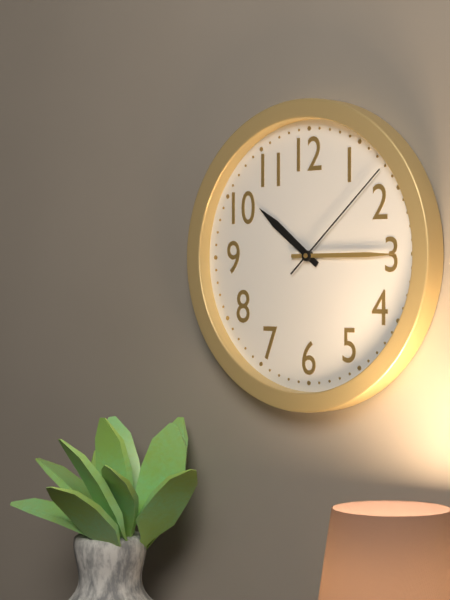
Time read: 10.15.08
